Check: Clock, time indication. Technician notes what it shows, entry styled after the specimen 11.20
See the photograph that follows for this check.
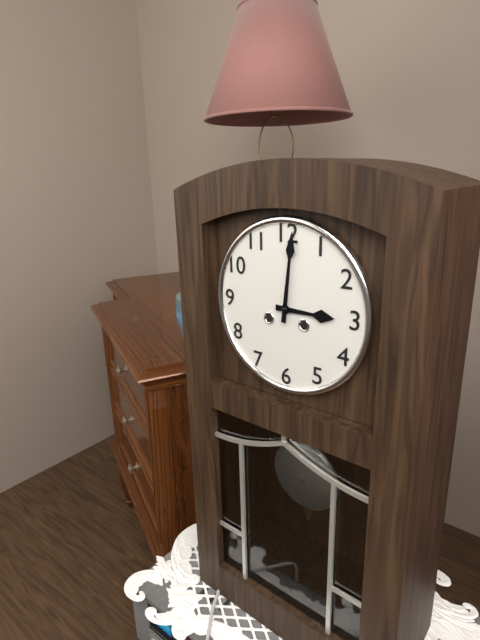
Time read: 3.01
